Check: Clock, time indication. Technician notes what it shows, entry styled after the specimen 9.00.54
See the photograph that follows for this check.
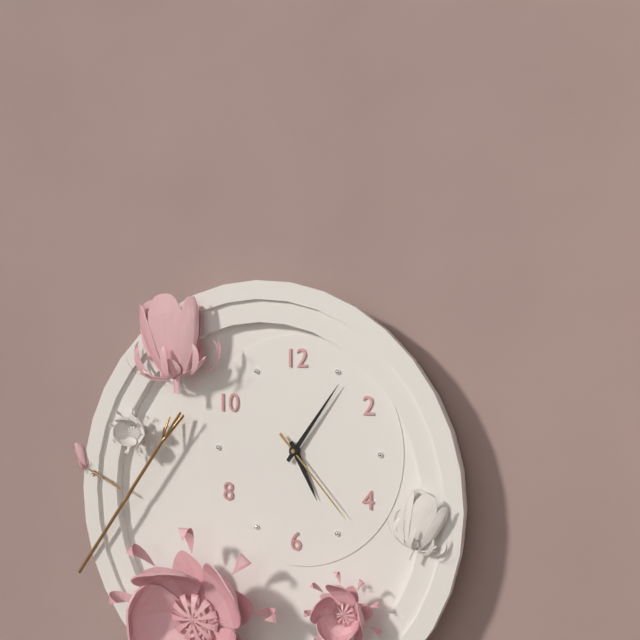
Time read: 5.06.23
